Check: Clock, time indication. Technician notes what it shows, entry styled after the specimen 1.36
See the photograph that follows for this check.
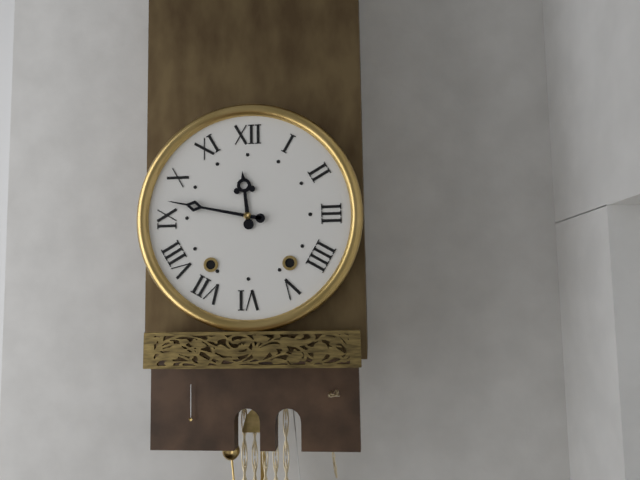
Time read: 11.47
